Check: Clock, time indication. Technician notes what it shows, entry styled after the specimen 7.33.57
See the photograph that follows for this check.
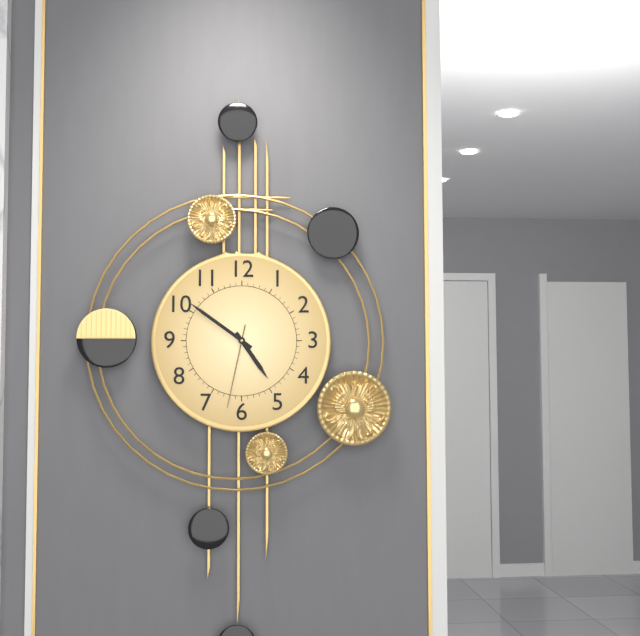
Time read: 4.51.32
